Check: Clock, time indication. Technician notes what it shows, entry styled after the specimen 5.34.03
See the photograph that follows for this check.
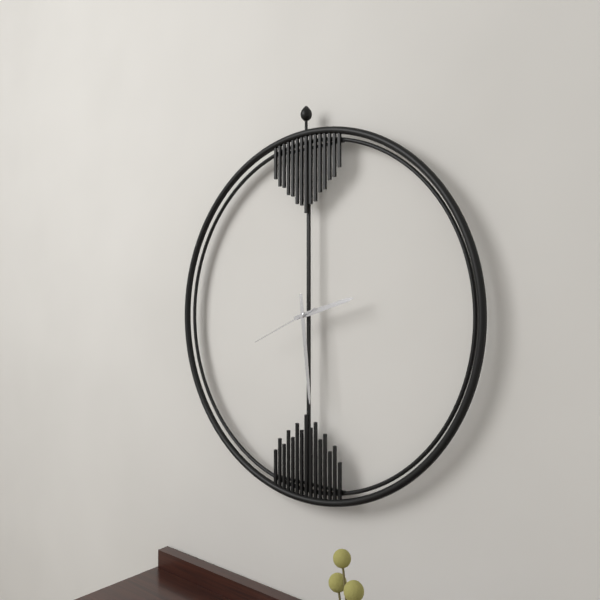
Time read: 2.29.41
